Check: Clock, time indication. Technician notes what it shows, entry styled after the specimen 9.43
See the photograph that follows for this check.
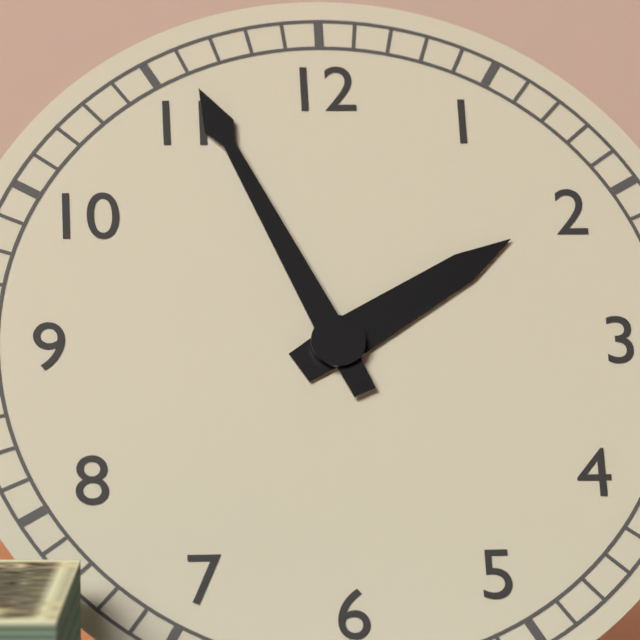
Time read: 1.56
